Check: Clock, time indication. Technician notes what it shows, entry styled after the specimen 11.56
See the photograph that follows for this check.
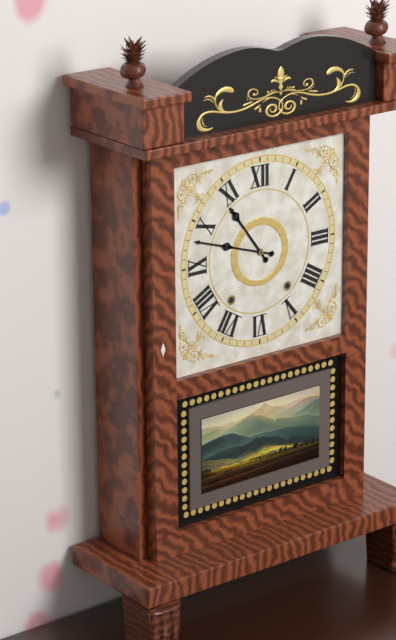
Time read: 10.48
